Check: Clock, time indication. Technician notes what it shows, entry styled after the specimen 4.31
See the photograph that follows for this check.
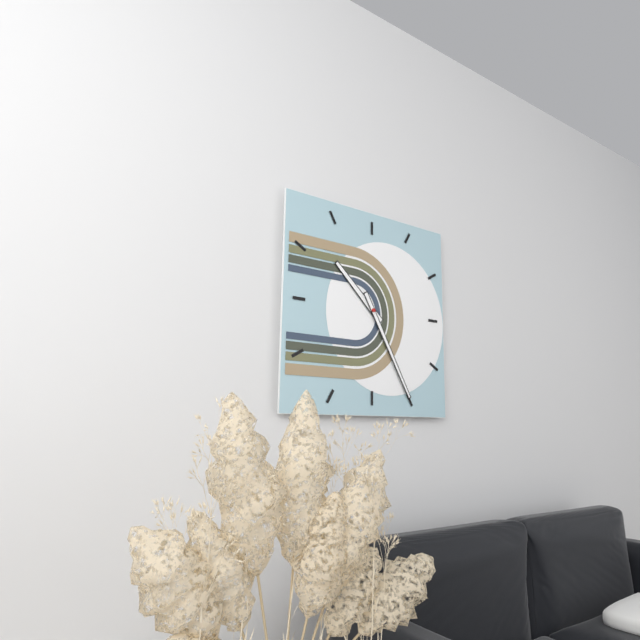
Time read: 10.25
